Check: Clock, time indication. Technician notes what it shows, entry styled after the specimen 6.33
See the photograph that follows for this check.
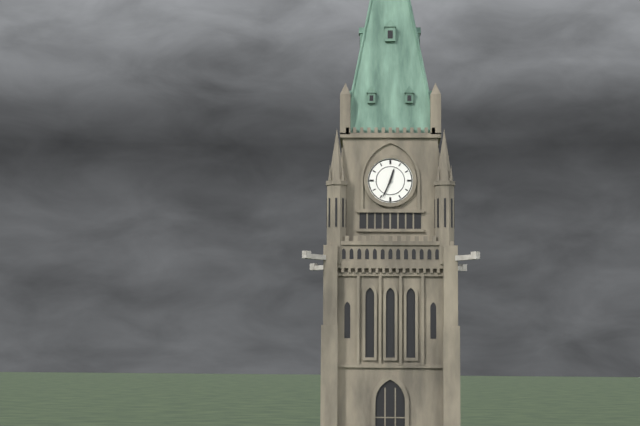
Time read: 12.34
